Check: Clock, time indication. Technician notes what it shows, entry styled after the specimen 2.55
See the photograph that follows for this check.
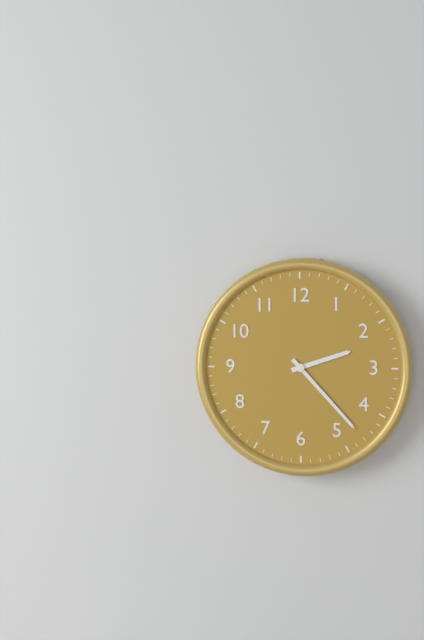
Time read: 2.23
